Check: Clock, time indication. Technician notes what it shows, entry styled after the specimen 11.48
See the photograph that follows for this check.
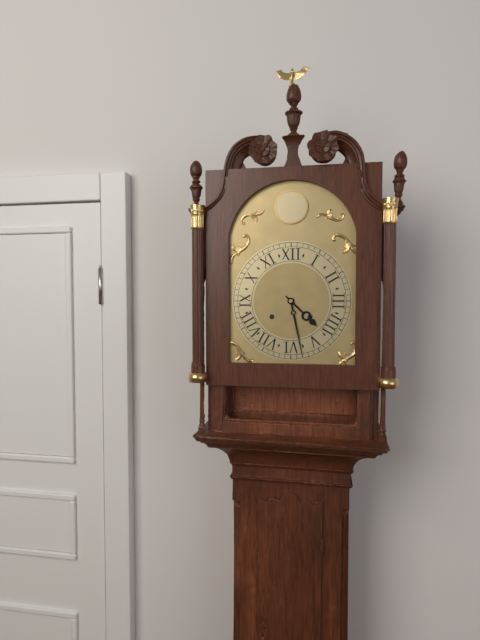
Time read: 4.28
